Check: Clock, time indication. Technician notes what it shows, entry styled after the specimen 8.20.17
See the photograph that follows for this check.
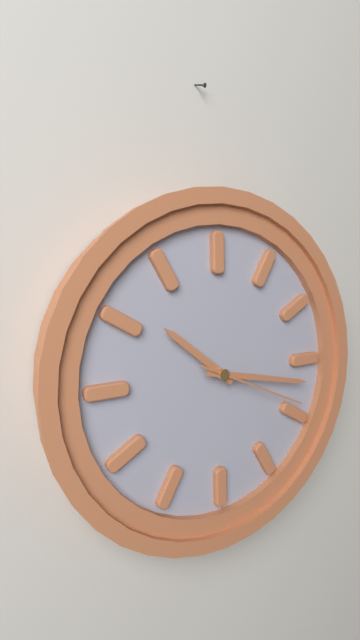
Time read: 10.17.19
